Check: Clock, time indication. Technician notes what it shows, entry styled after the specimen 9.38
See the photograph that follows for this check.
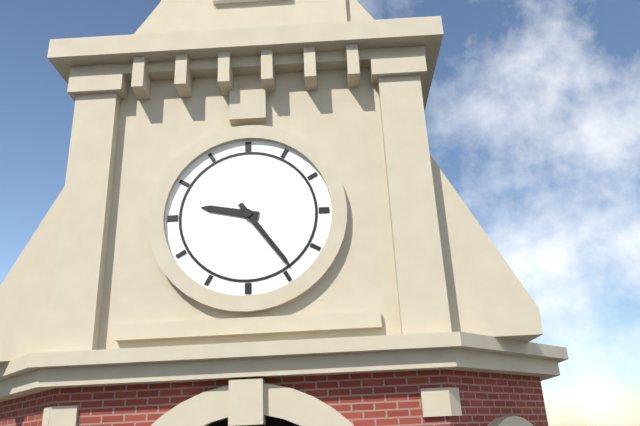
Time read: 9.24
